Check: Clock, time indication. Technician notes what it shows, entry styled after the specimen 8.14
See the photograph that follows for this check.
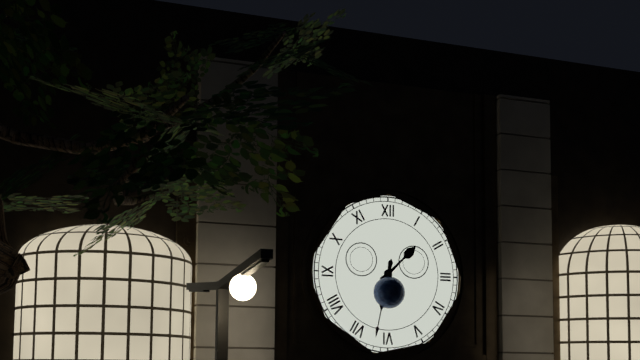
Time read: 1.32
